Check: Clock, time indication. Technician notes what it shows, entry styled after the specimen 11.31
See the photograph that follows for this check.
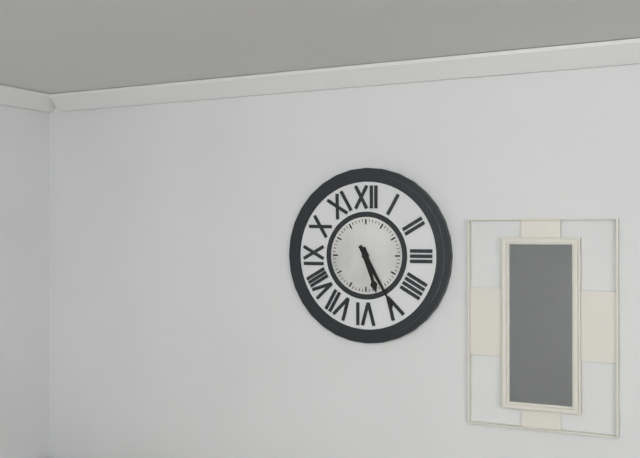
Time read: 5.25
